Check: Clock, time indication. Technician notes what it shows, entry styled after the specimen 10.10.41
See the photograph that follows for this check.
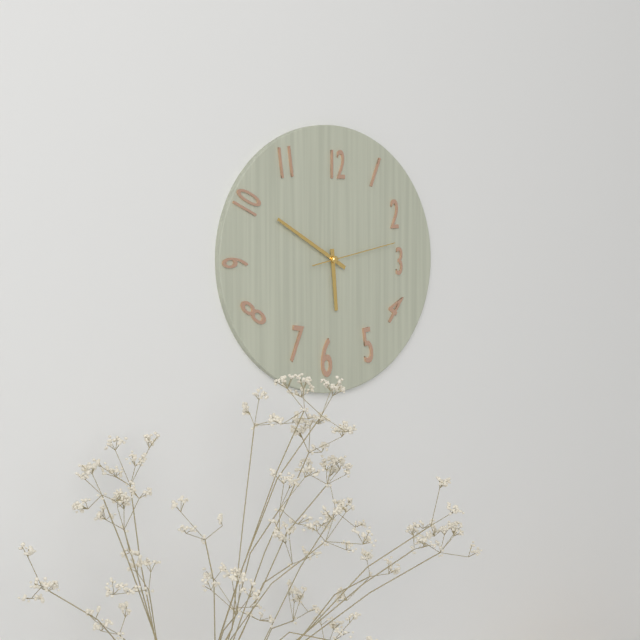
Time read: 5.50.13
